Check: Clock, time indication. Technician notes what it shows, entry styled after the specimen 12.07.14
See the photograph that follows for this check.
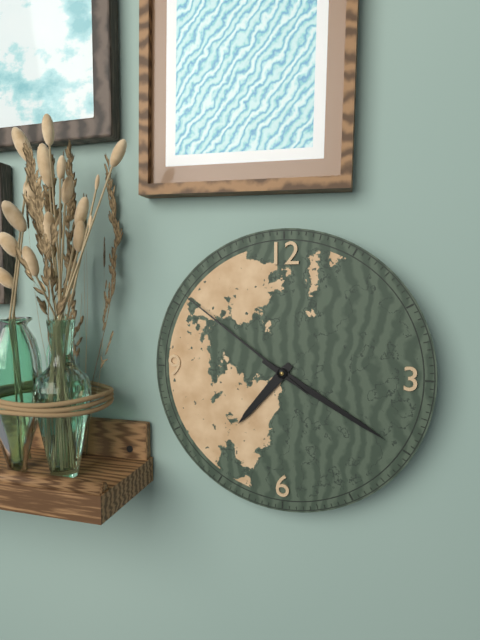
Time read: 7.20.51
